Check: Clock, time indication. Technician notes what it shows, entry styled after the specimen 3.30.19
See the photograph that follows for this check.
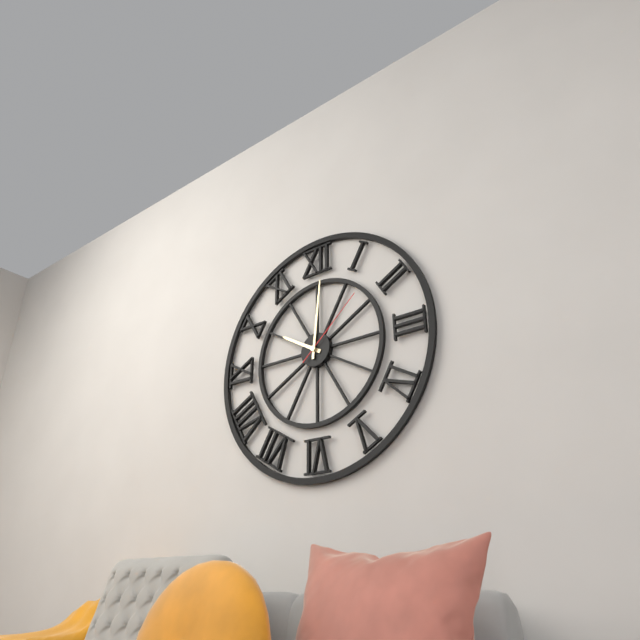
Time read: 10.01.08
